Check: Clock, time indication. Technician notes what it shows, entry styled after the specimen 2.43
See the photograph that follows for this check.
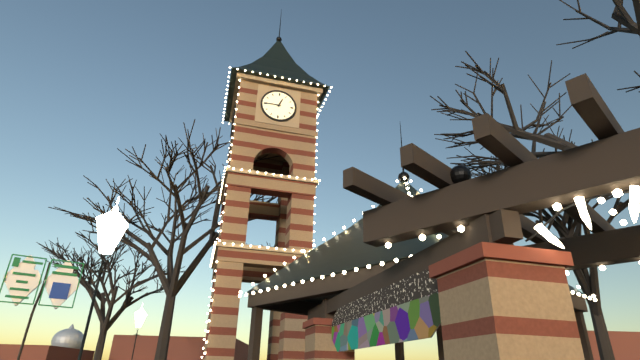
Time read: 12.45
